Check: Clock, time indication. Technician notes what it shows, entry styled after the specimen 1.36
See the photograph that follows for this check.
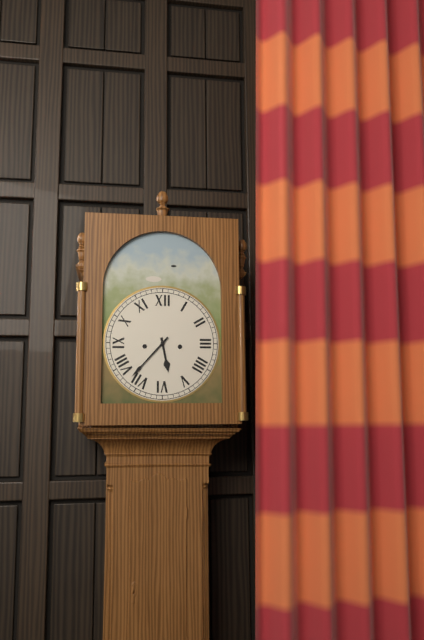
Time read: 5.37
